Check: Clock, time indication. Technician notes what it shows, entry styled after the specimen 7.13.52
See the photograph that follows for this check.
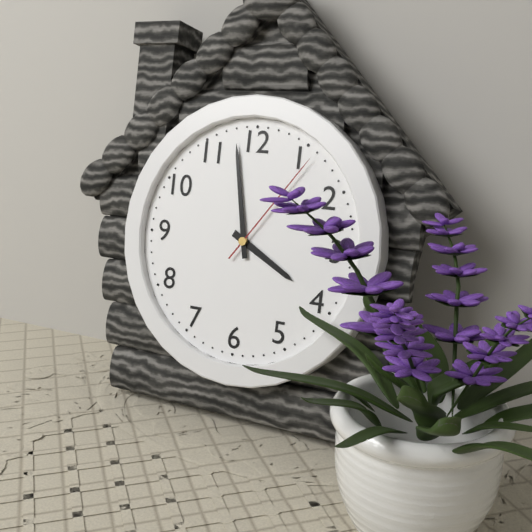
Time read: 3.58.06
